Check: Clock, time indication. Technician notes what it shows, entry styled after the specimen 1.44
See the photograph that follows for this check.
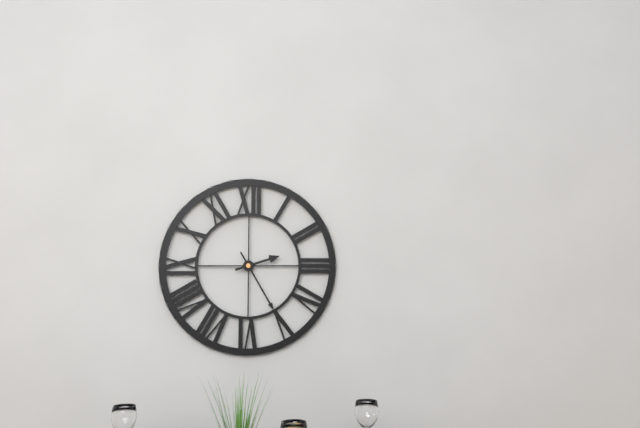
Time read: 2.25
